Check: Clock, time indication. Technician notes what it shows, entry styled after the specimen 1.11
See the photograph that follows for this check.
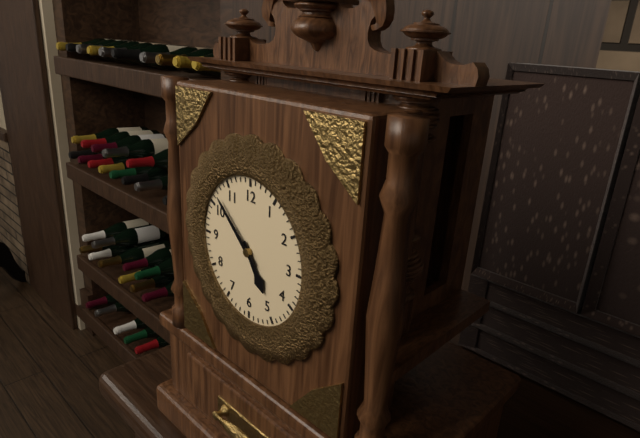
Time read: 4.52
